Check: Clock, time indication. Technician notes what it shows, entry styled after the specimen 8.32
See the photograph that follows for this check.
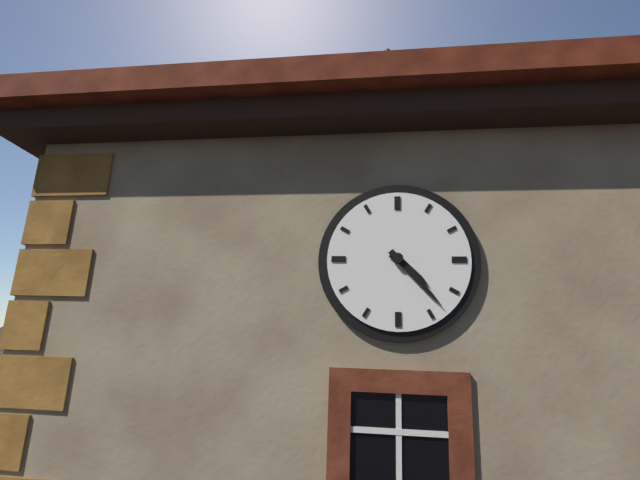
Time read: 4.23
